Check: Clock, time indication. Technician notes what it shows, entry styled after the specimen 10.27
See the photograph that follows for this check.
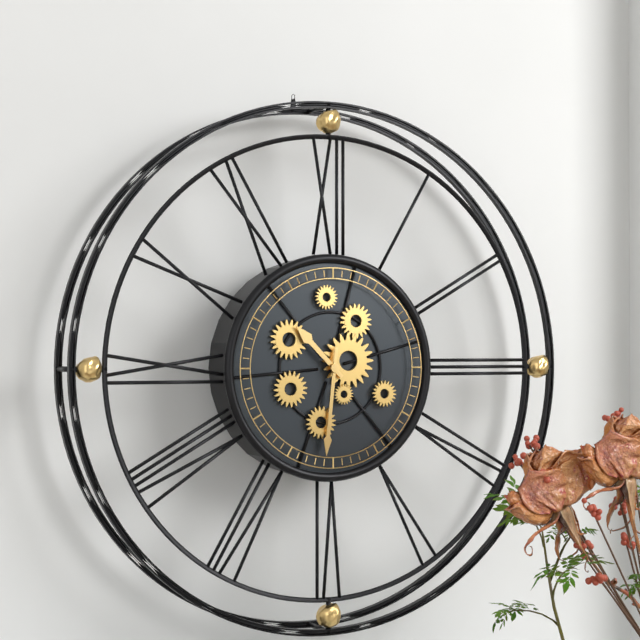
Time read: 10.31
